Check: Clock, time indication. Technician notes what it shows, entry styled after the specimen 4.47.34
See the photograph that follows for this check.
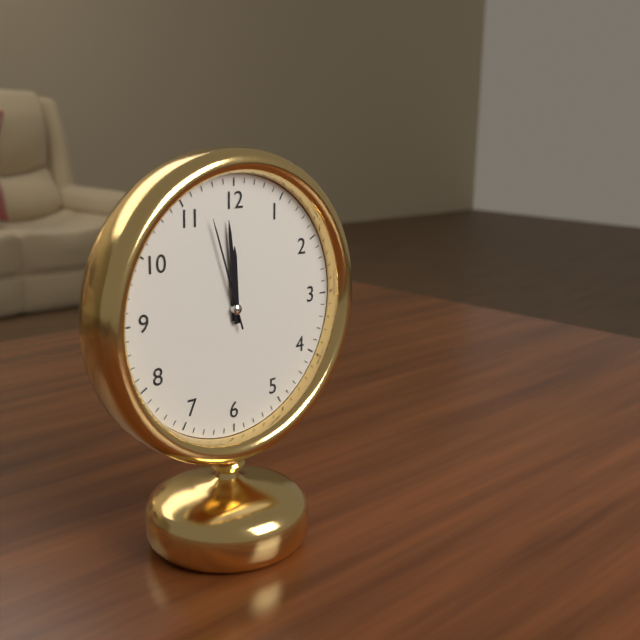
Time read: 11.59.57
